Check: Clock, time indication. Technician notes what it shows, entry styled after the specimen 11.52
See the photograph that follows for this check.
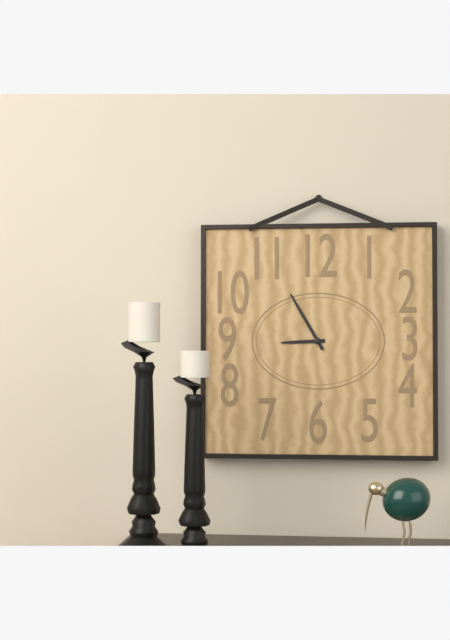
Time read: 8.55
